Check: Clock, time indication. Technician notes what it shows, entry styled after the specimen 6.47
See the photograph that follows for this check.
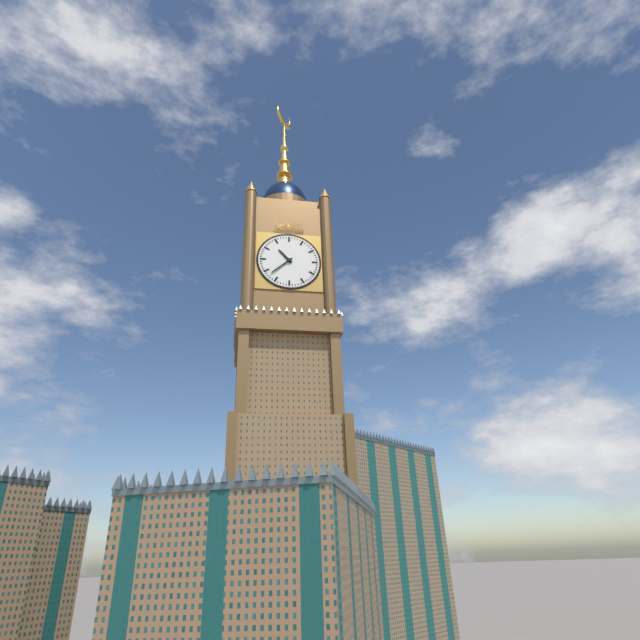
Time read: 10.38
